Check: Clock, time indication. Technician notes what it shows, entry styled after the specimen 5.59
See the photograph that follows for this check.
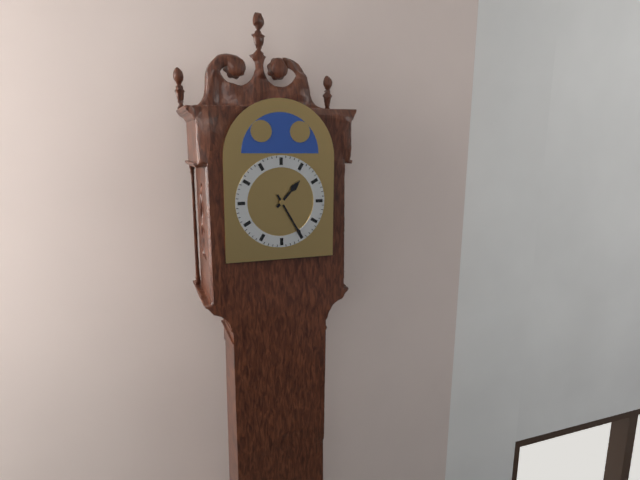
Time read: 1.25
